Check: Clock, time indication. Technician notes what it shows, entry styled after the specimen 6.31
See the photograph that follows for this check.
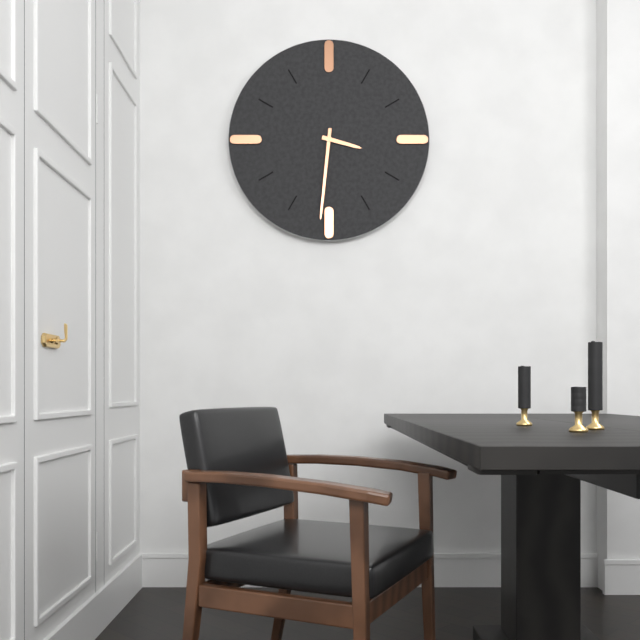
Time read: 3.31
